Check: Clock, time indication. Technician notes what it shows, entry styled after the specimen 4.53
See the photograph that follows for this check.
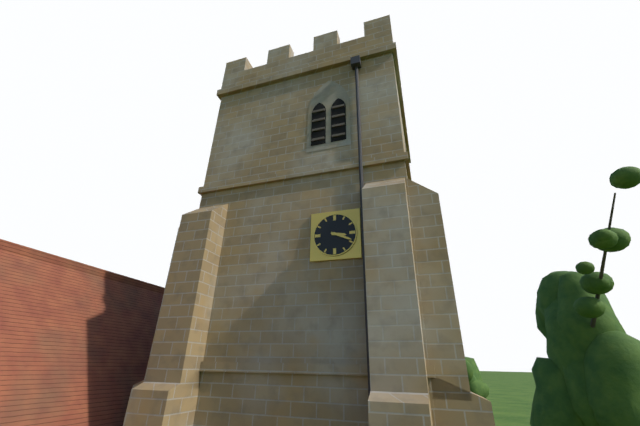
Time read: 3.19
